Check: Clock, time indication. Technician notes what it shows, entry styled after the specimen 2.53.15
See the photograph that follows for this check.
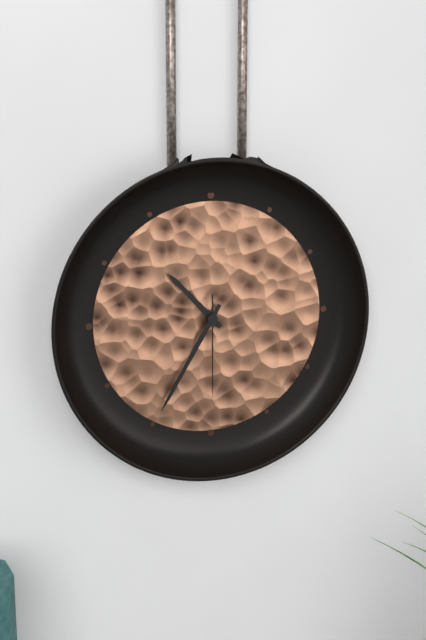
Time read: 10.35.30
